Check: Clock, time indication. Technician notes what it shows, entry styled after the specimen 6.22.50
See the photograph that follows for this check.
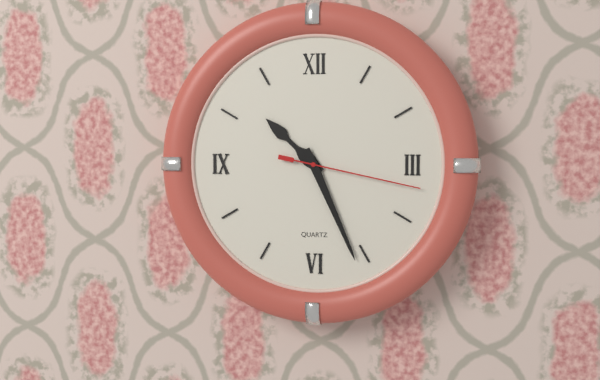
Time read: 10.26.17
